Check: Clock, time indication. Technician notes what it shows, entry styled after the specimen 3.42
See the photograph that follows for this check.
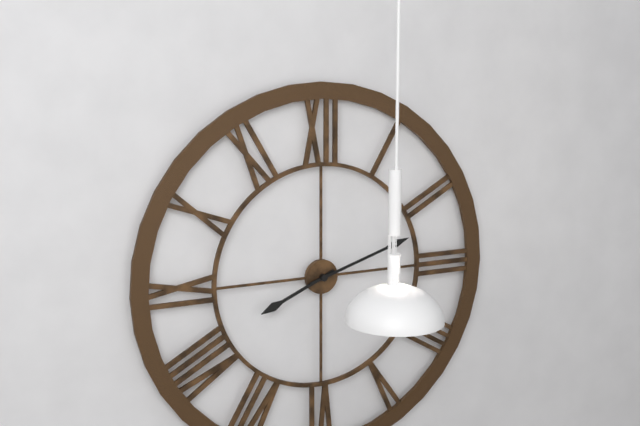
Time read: 8.12
